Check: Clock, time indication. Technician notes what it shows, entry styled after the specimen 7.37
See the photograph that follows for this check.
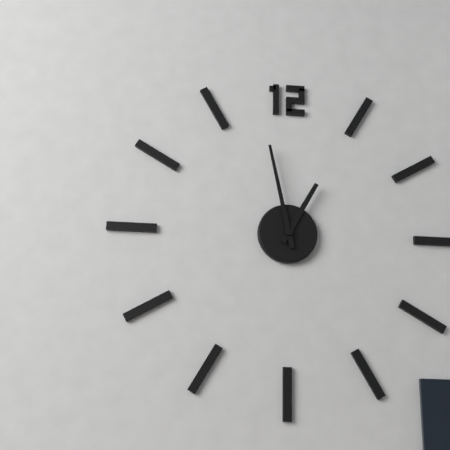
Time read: 12.58
